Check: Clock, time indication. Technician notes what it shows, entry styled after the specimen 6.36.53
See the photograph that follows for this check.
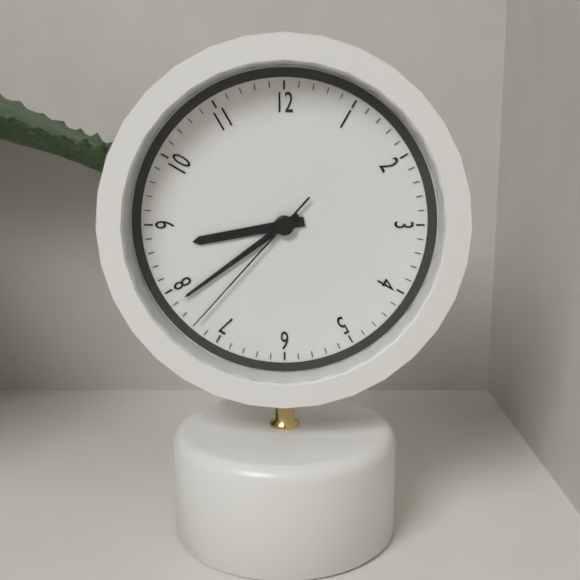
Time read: 8.39.37
